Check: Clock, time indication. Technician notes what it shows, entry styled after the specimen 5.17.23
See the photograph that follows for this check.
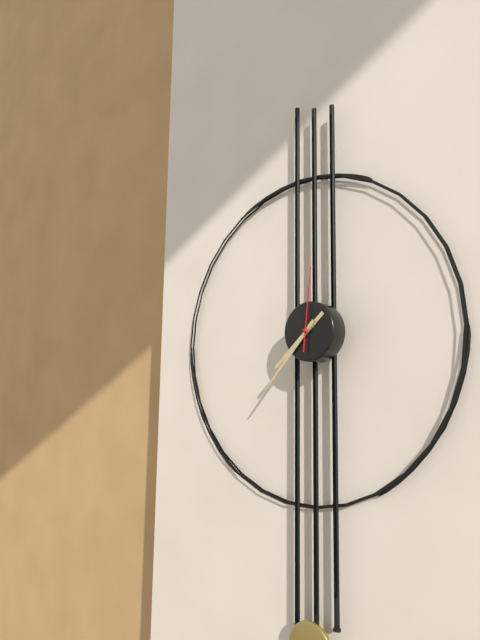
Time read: 7.37.01
